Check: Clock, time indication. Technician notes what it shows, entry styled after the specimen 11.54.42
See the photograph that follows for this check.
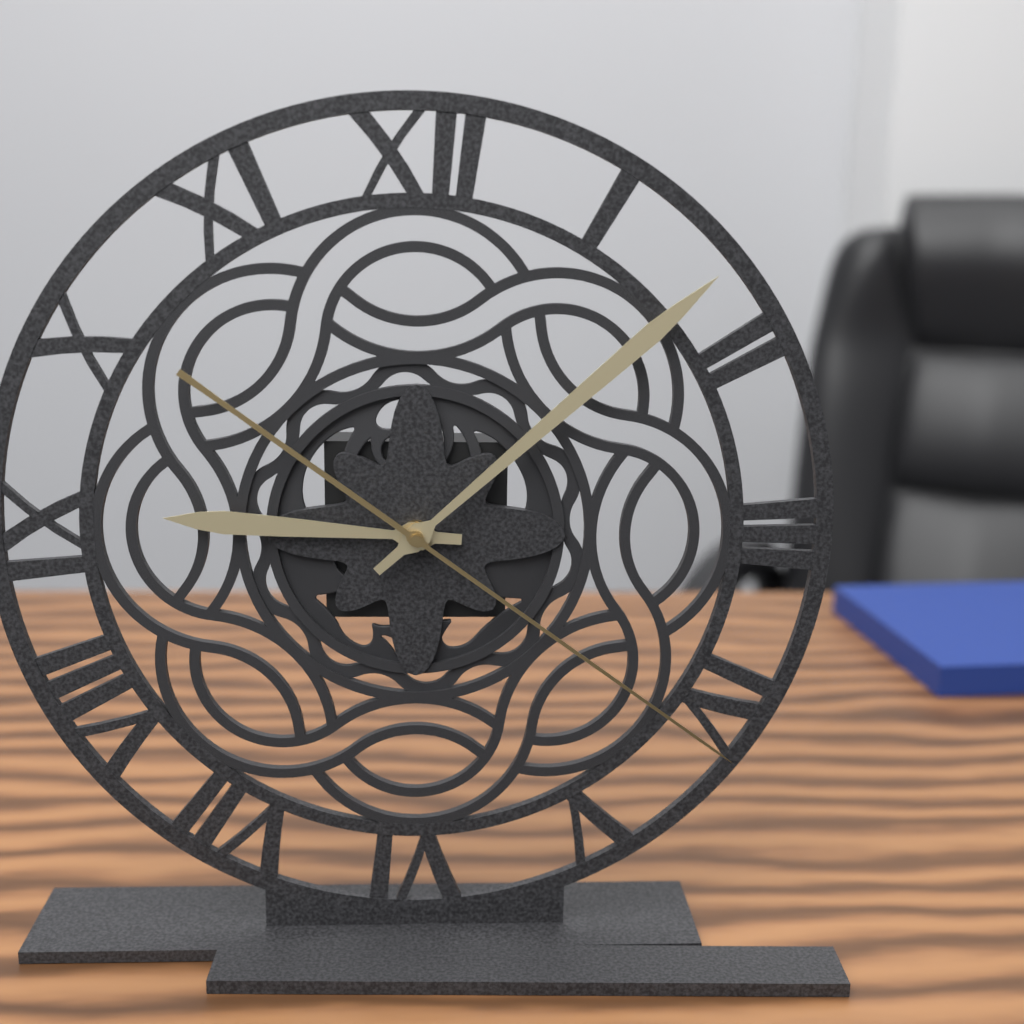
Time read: 9.08.21
